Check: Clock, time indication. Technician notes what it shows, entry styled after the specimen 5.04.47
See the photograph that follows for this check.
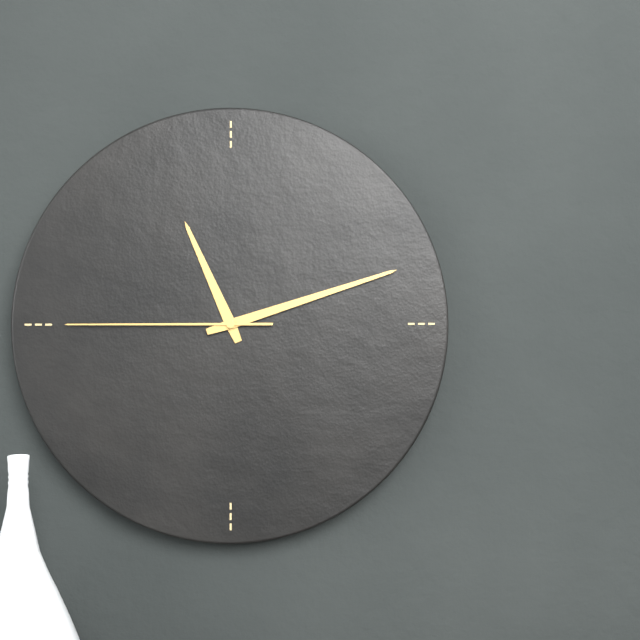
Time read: 11.12.45
